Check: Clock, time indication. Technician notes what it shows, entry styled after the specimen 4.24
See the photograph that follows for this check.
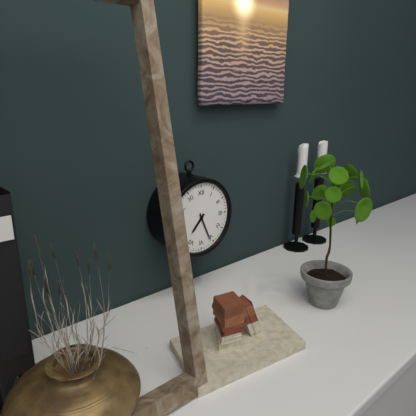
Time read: 7.26
